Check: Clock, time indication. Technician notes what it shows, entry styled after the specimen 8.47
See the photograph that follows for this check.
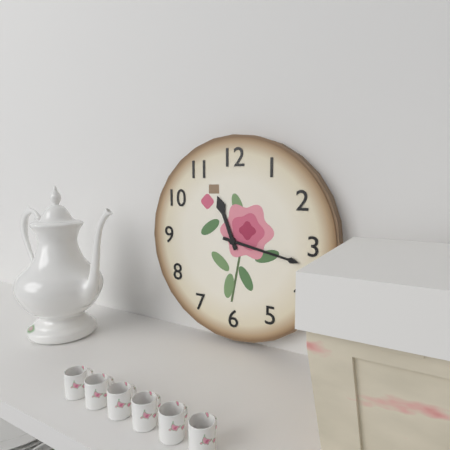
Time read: 11.17
